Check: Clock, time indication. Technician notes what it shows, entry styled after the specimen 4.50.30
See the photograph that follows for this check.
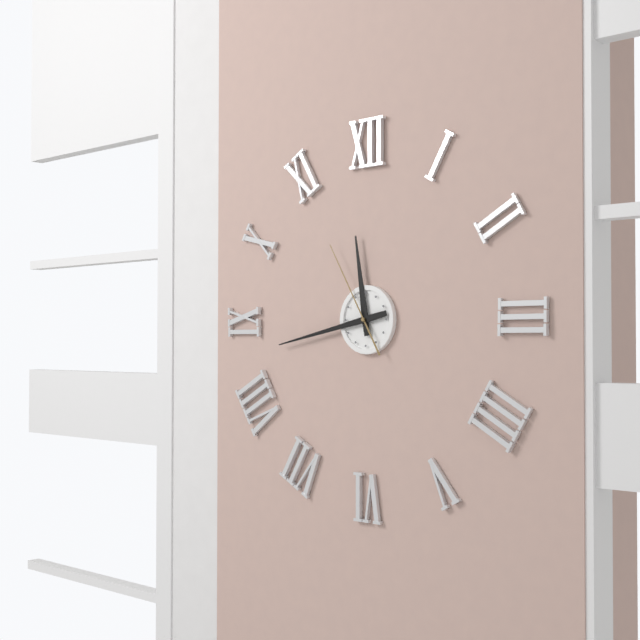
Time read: 11.43.55
